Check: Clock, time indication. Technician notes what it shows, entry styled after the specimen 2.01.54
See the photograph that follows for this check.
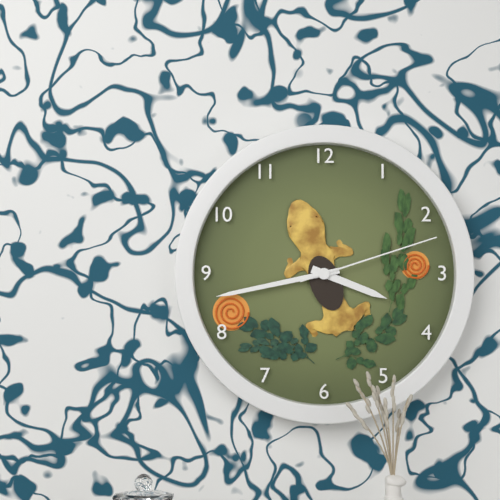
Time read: 3.43.12
